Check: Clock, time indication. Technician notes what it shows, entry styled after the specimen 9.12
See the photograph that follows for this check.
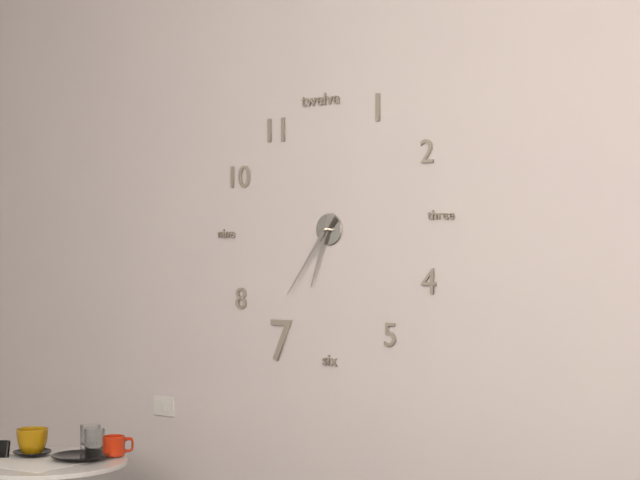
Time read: 6.36
